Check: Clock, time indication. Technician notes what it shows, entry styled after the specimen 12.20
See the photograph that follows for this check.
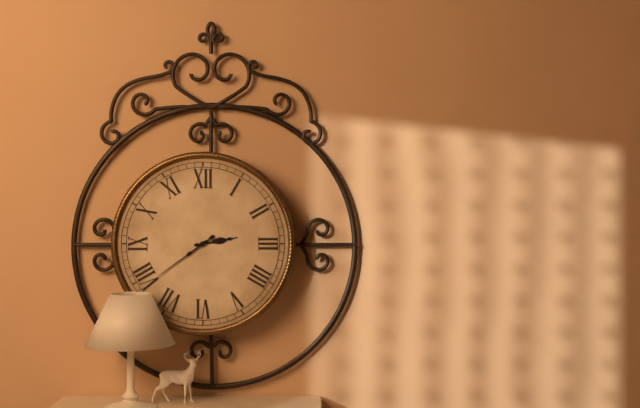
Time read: 2.39
